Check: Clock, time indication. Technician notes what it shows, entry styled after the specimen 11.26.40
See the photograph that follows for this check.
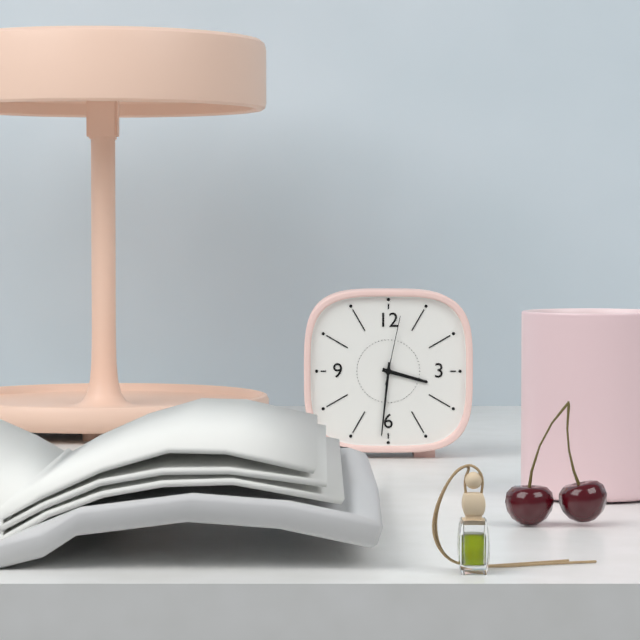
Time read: 3.31.02
